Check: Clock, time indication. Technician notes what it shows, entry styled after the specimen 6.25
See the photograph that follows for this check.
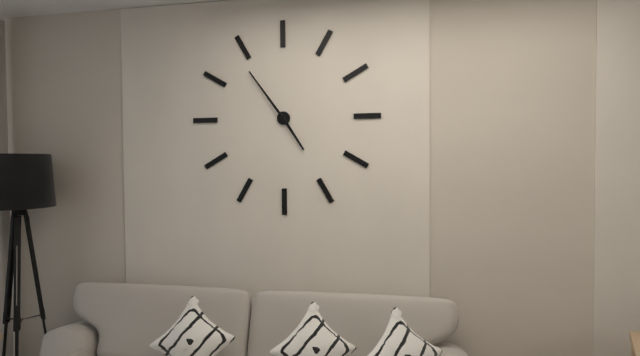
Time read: 4.54
